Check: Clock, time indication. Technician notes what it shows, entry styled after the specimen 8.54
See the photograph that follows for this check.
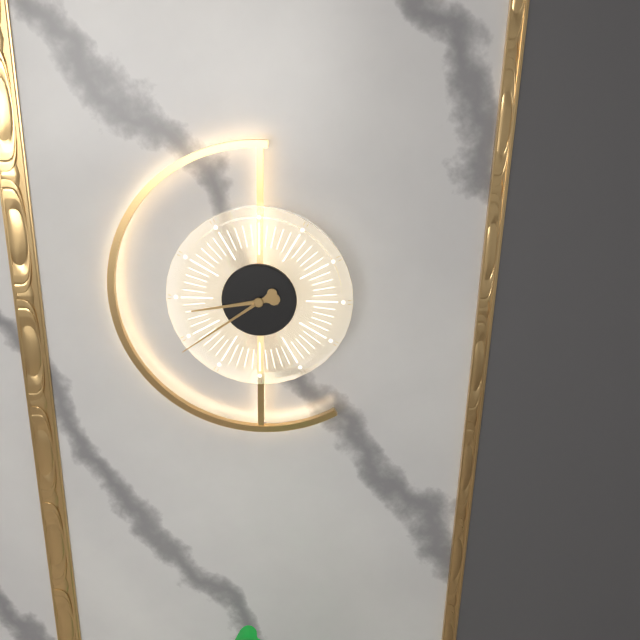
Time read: 8.39
